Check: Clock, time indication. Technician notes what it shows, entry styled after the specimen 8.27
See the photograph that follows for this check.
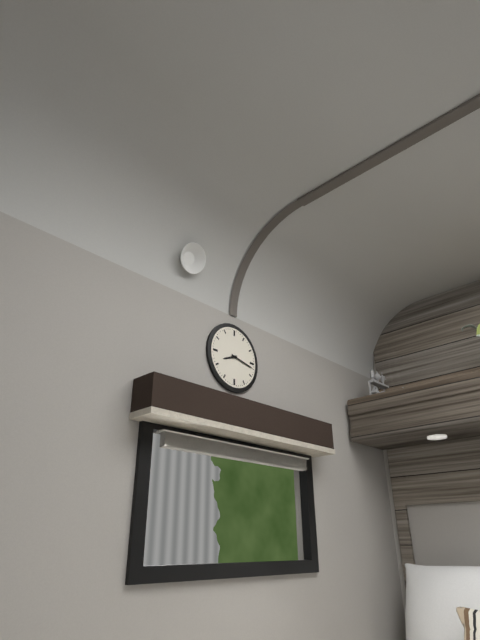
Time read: 8.17
